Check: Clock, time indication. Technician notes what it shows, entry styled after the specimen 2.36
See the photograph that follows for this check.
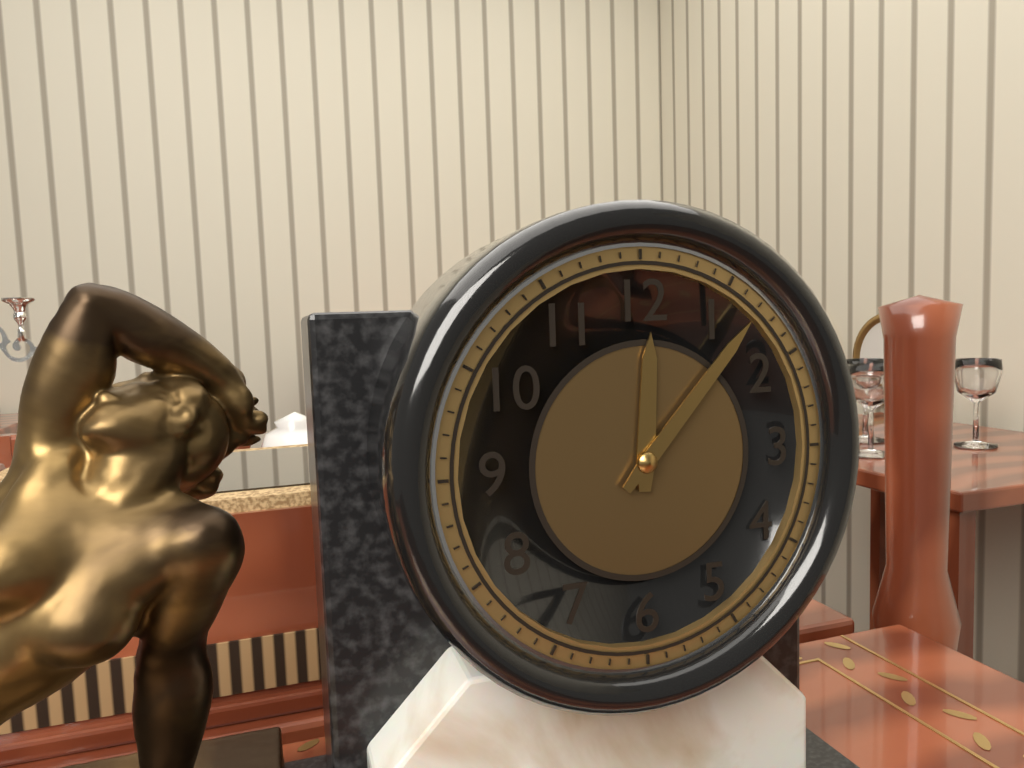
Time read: 12.07
